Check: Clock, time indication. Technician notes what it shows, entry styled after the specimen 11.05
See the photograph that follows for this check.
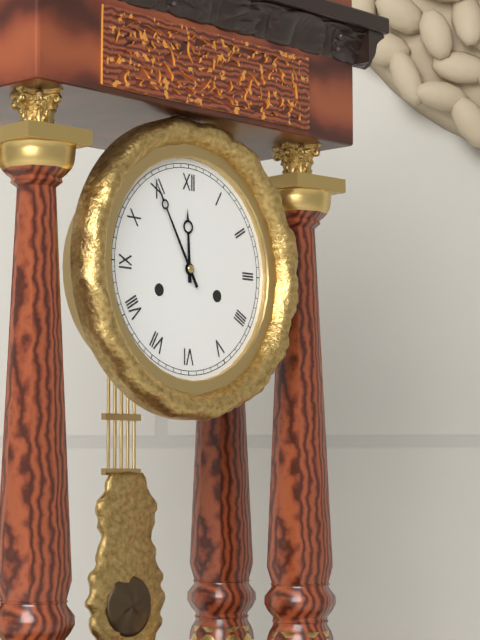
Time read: 11.55
